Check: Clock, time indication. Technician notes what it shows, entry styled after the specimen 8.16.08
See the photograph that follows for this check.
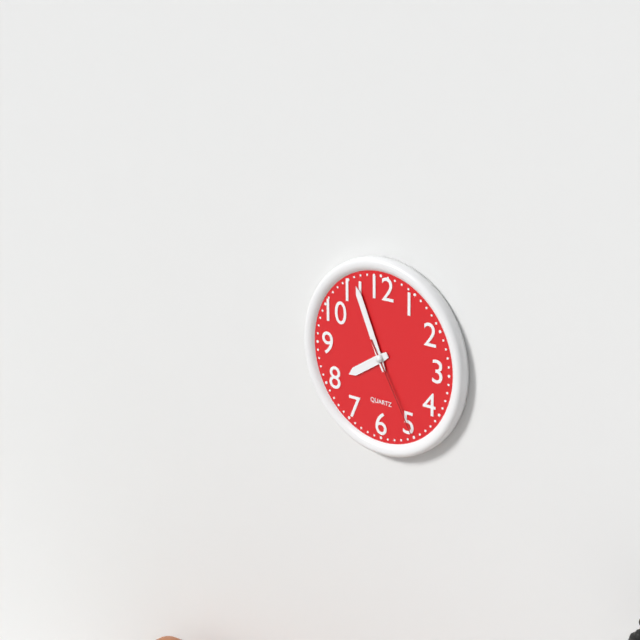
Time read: 7.56.25
